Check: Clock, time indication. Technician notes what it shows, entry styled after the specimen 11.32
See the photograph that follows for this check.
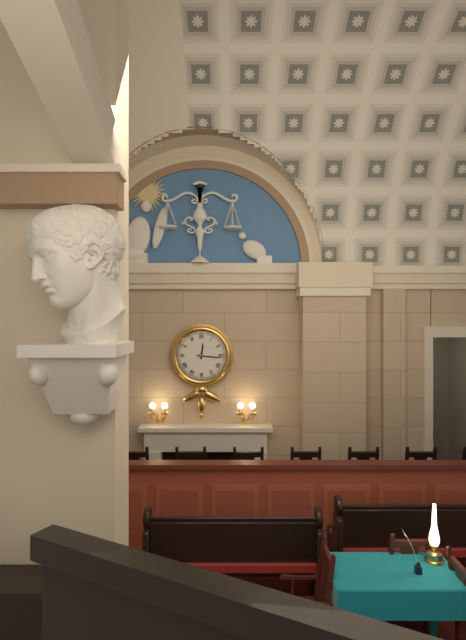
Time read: 12.16
